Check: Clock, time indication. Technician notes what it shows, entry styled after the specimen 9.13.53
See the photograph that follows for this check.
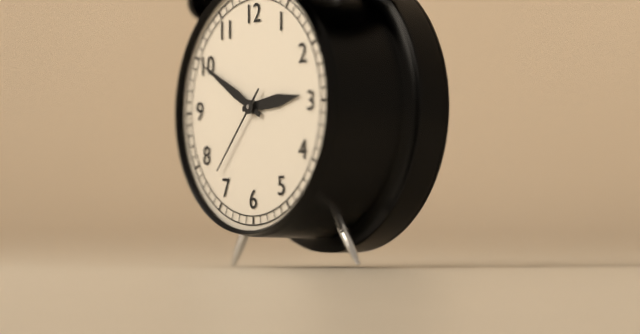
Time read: 2.50.37
